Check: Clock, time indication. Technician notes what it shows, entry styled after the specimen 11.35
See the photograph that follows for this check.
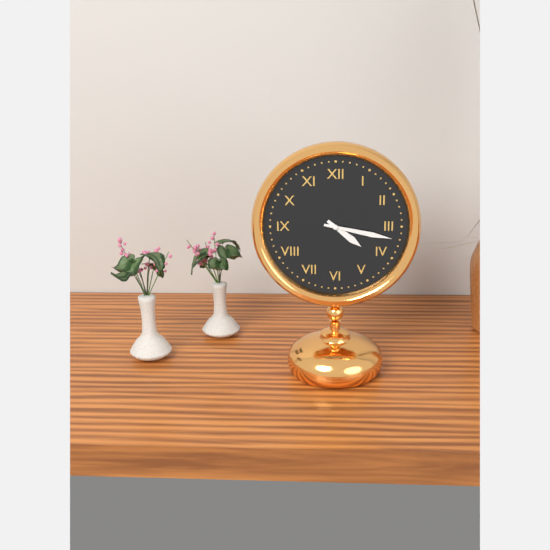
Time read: 4.17
